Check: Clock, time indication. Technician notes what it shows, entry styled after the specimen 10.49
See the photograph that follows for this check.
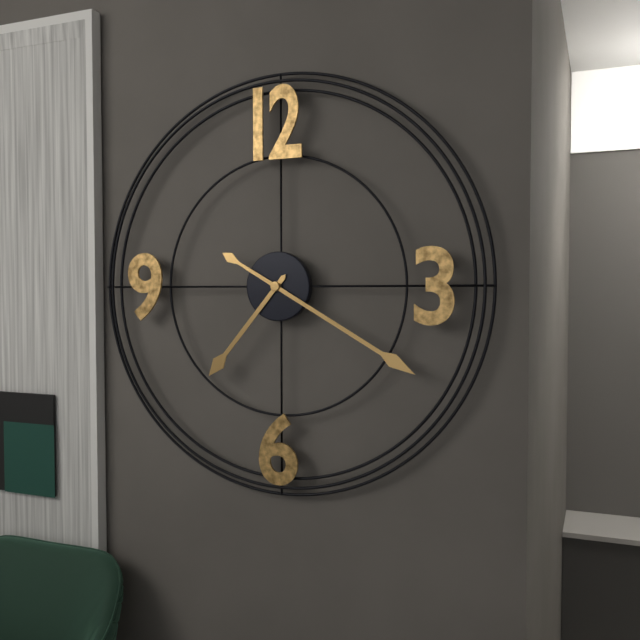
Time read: 7.20
